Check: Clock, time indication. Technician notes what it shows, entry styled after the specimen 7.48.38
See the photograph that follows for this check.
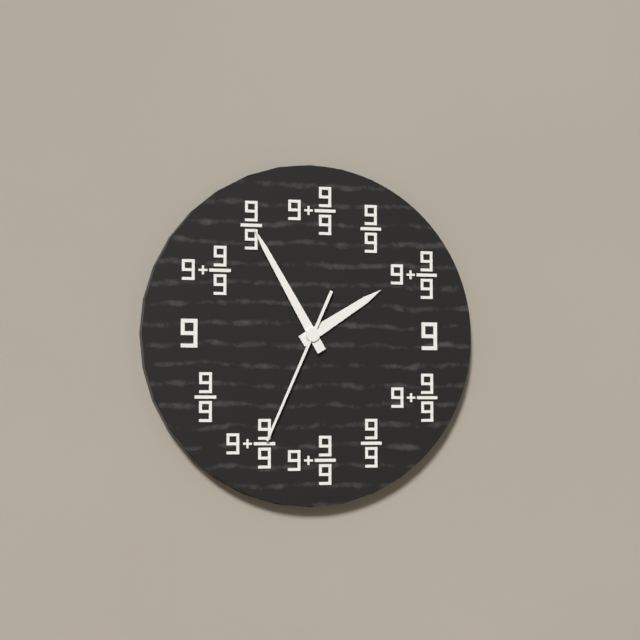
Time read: 1.55.34
